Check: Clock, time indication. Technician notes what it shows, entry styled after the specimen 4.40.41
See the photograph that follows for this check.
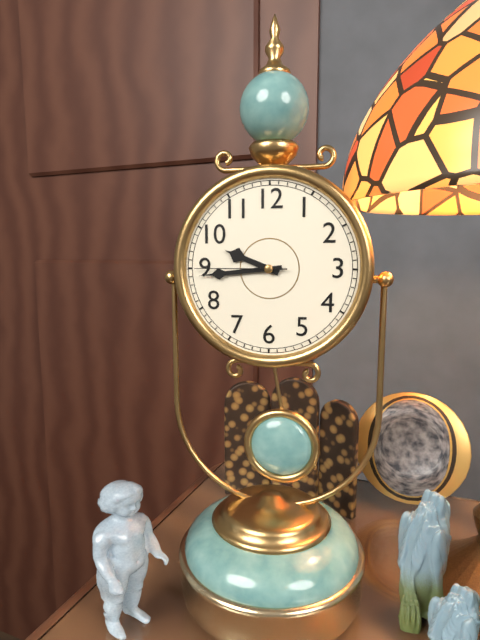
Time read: 9.44.45
